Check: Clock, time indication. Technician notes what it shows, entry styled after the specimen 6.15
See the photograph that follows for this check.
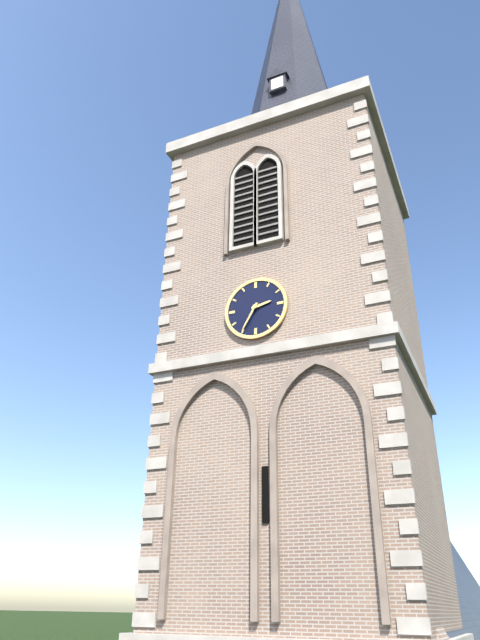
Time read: 2.35
